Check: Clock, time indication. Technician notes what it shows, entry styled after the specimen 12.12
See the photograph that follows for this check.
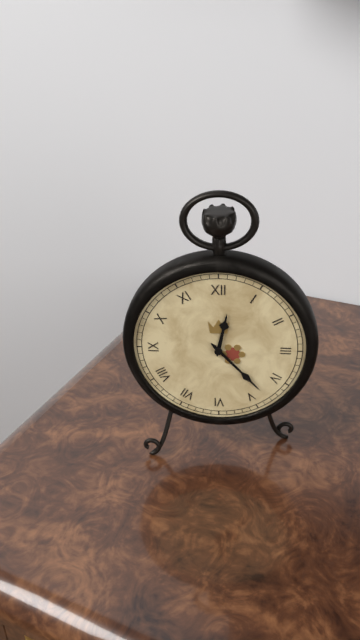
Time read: 12.23
